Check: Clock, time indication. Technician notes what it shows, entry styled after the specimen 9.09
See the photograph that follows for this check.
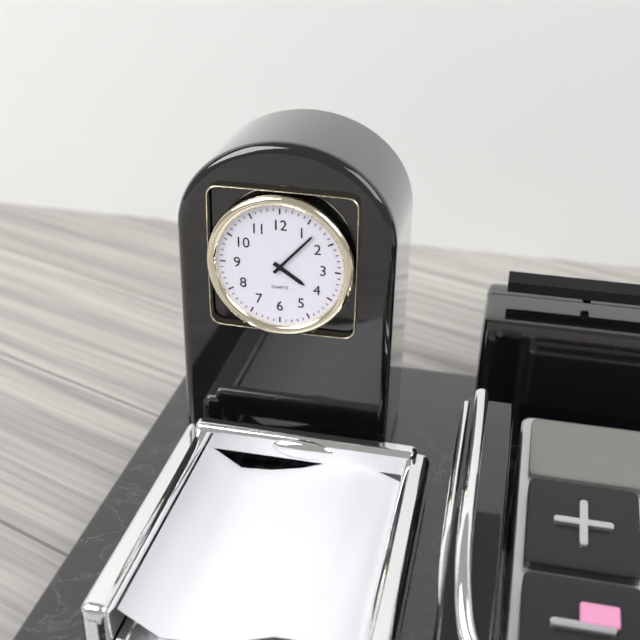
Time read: 4.07
